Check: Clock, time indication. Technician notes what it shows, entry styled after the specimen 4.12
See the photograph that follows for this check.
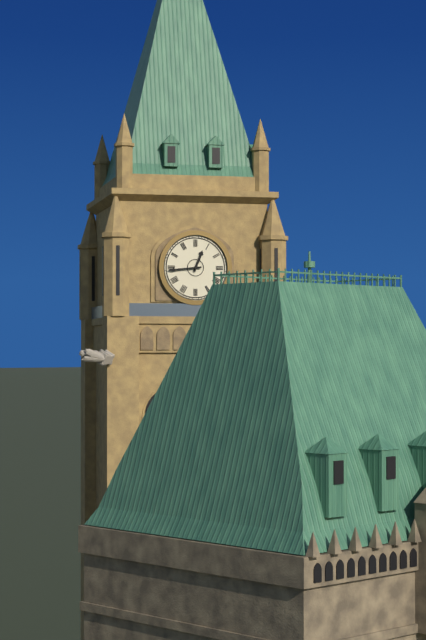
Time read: 12.44
